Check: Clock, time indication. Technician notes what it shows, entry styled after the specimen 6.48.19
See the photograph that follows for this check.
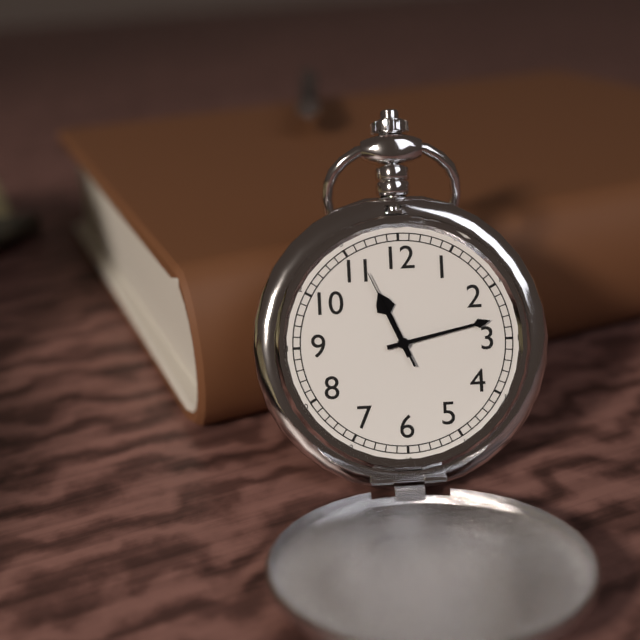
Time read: 11.13.56
